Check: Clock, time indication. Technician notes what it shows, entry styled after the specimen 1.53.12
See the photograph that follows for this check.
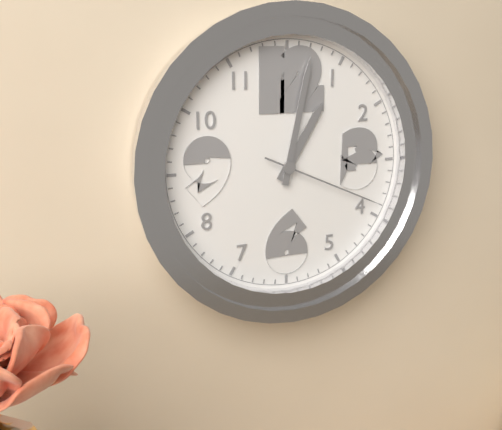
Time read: 1.02.19
